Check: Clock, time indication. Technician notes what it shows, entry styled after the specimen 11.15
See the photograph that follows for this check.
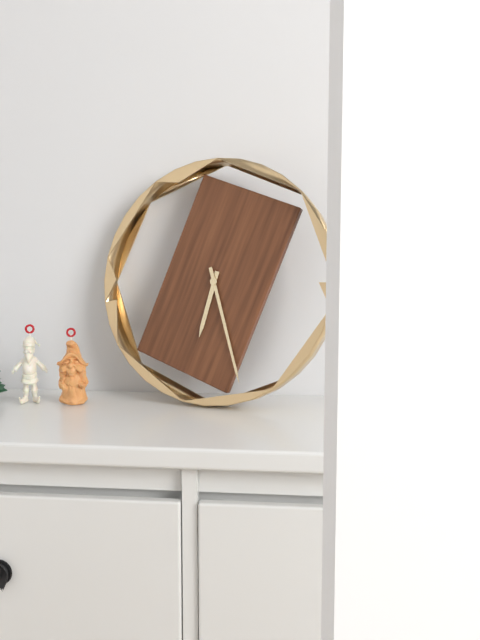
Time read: 6.27
